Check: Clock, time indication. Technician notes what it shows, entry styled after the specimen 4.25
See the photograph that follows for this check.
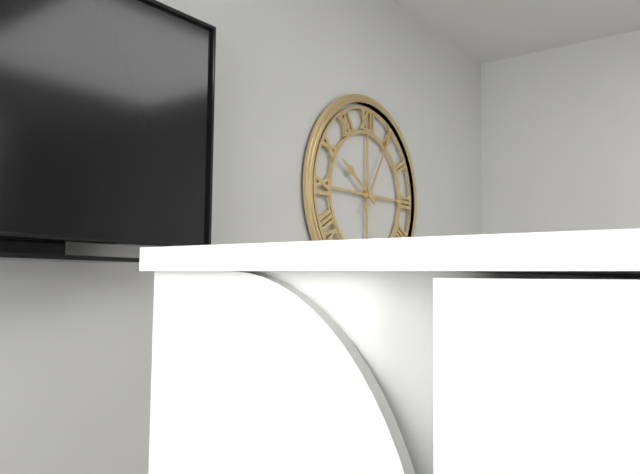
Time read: 10.05
